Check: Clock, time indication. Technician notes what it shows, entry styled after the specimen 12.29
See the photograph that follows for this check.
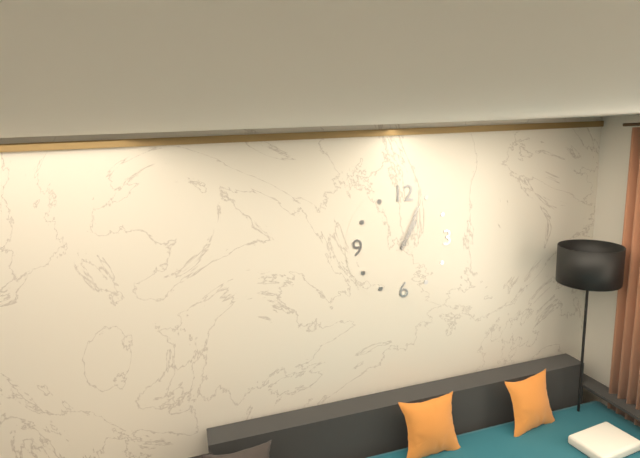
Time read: 1.04
